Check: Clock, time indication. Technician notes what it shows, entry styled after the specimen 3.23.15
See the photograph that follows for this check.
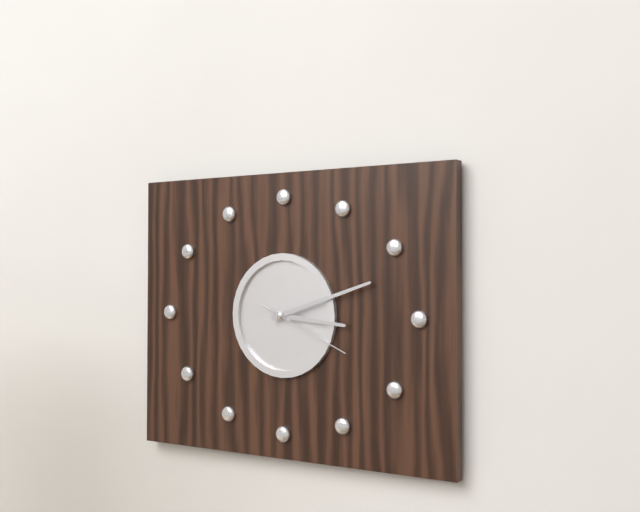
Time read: 3.12.19
